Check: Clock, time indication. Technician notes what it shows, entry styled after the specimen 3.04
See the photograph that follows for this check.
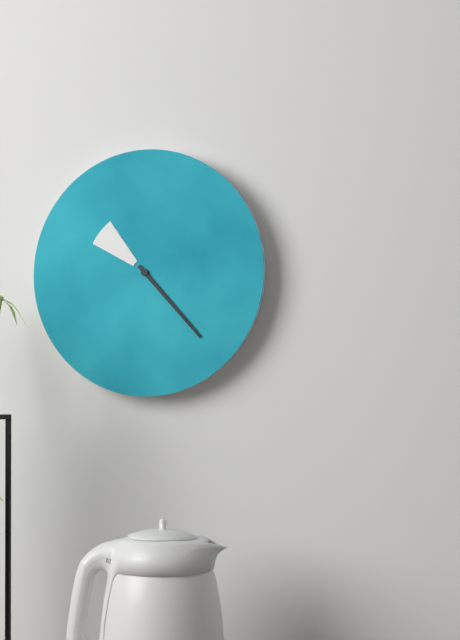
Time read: 10.23
